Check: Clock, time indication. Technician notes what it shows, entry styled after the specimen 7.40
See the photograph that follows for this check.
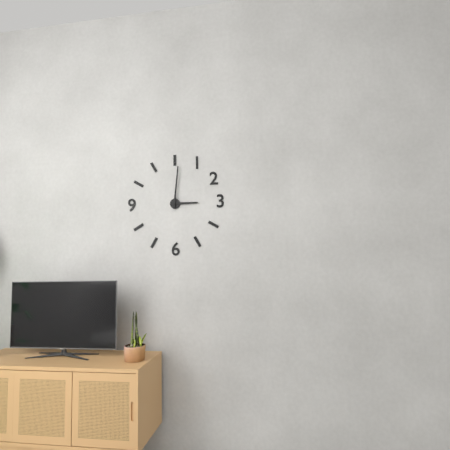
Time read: 3.01
